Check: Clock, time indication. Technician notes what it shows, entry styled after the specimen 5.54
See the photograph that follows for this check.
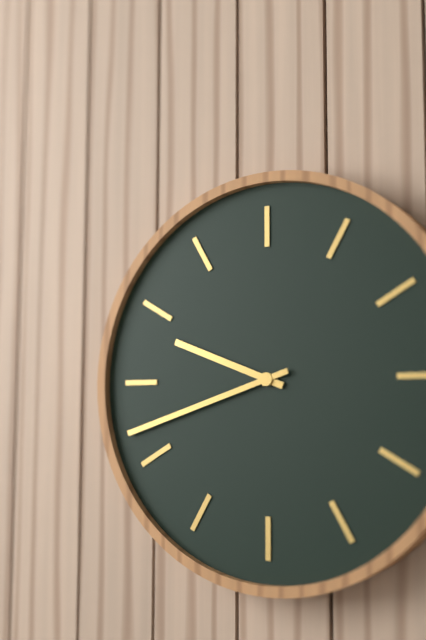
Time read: 9.42
